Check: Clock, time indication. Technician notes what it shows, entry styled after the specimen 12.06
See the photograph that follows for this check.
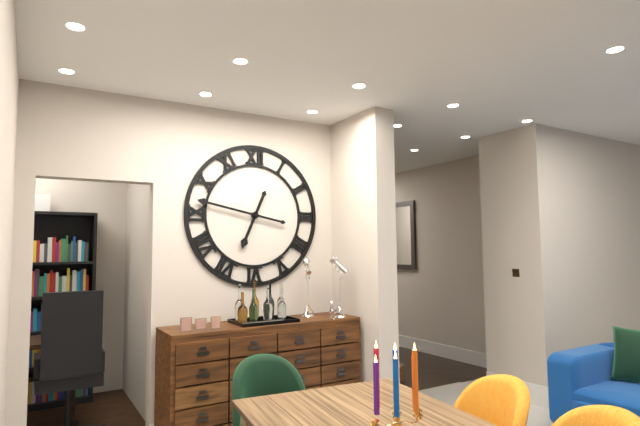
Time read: 6.47
